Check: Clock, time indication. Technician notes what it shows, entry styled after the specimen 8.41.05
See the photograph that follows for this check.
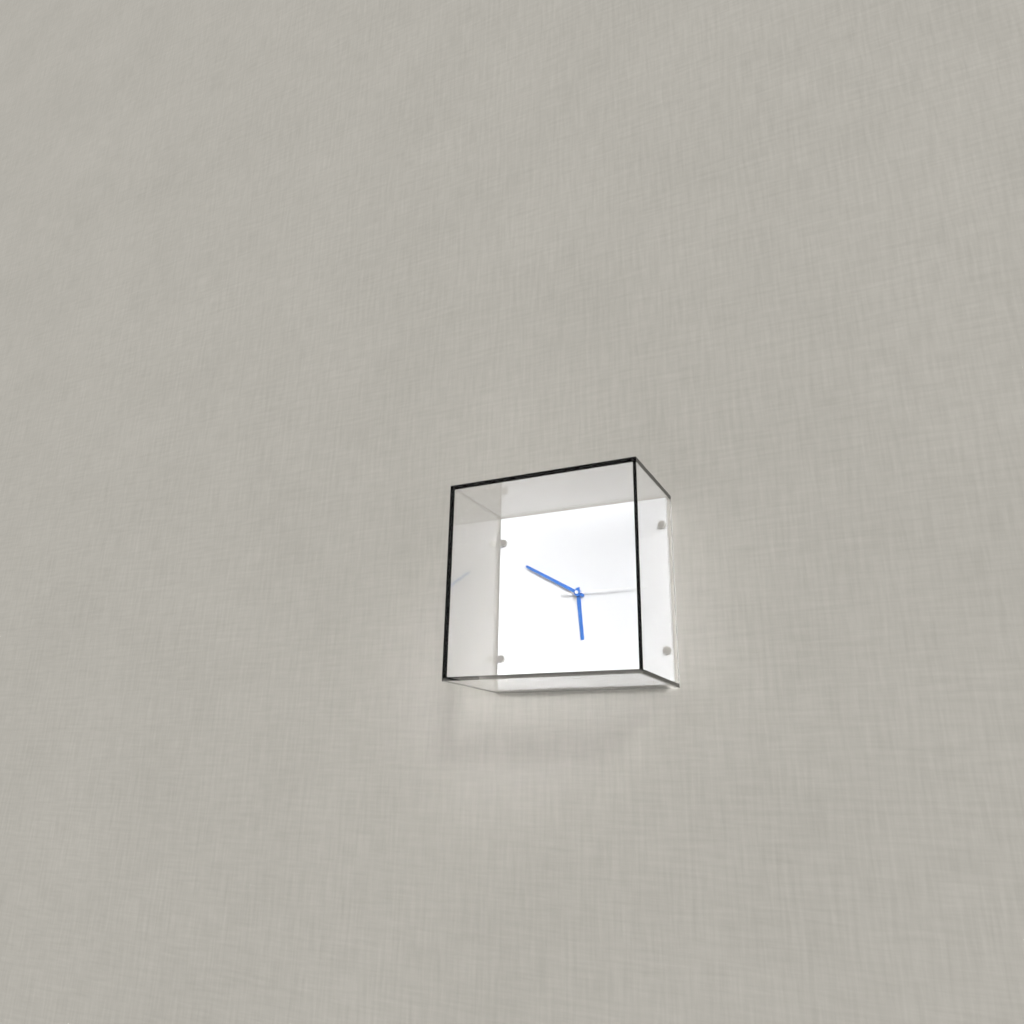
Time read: 5.50.15
